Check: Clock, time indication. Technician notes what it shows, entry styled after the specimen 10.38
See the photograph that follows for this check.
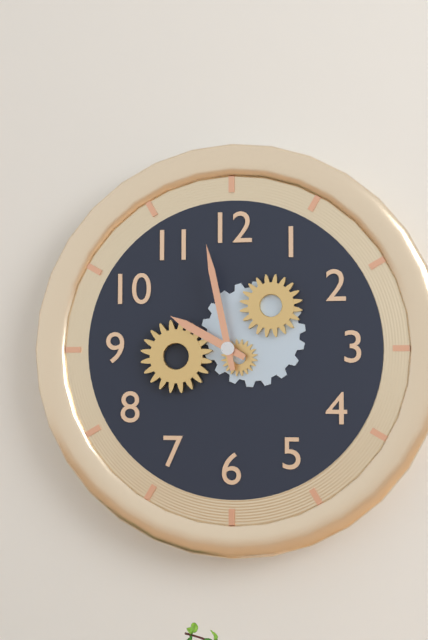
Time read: 9.58
